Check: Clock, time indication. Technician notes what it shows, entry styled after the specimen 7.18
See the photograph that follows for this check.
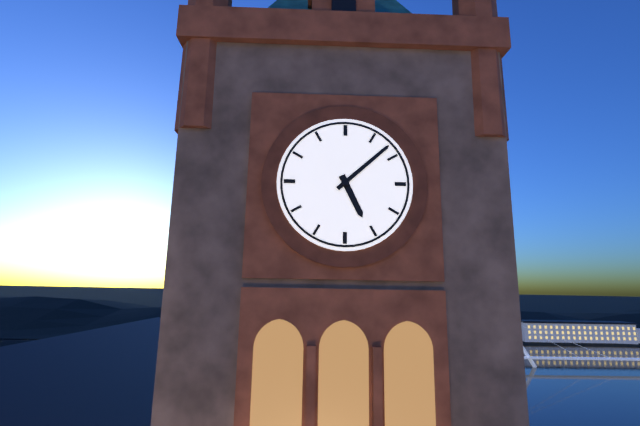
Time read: 5.08
